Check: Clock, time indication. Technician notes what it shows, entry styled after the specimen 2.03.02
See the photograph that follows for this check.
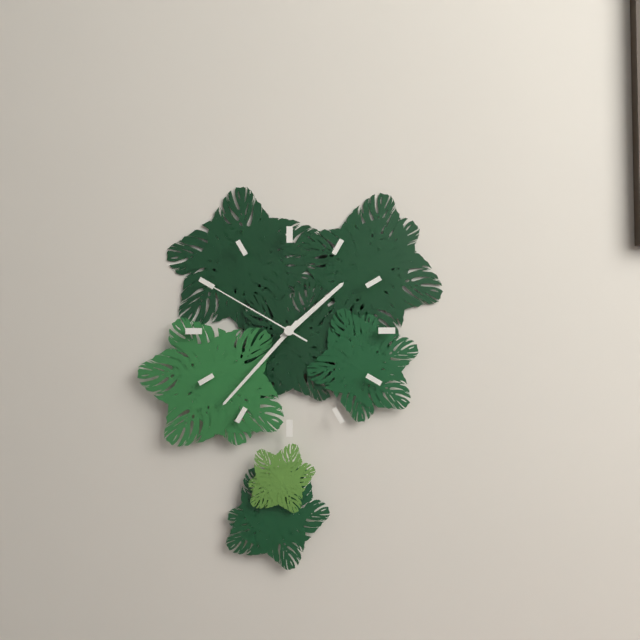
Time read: 1.37.50
